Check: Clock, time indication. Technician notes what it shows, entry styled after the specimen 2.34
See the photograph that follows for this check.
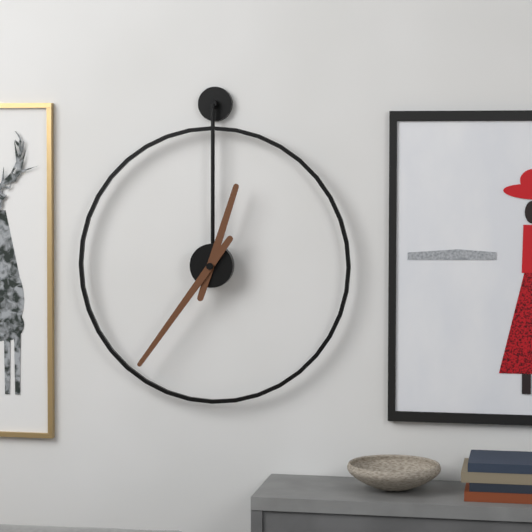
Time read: 12.36
